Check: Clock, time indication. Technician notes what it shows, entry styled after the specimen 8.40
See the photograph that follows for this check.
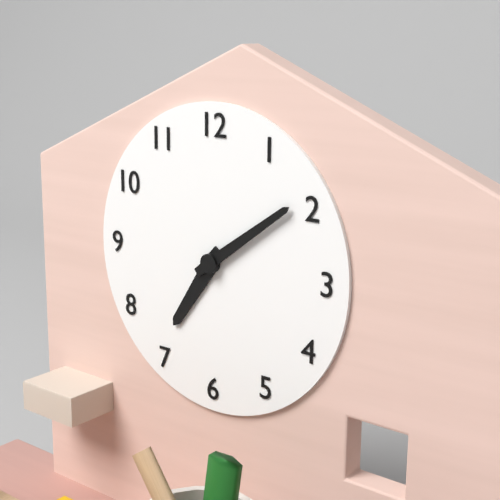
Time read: 7.09
